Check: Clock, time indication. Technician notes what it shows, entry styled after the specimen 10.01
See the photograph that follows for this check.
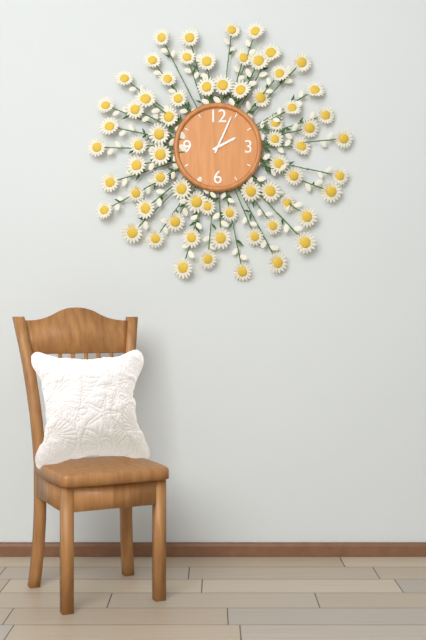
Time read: 2.04
